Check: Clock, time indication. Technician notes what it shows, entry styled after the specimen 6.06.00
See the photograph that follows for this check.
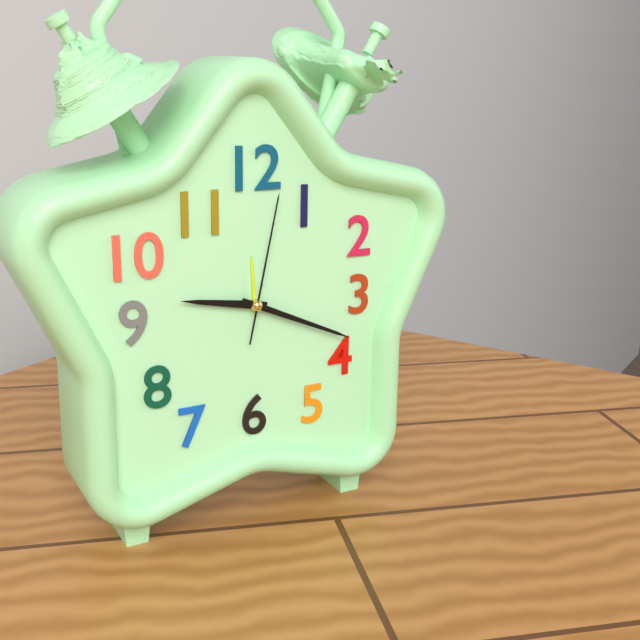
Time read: 9.19.02
